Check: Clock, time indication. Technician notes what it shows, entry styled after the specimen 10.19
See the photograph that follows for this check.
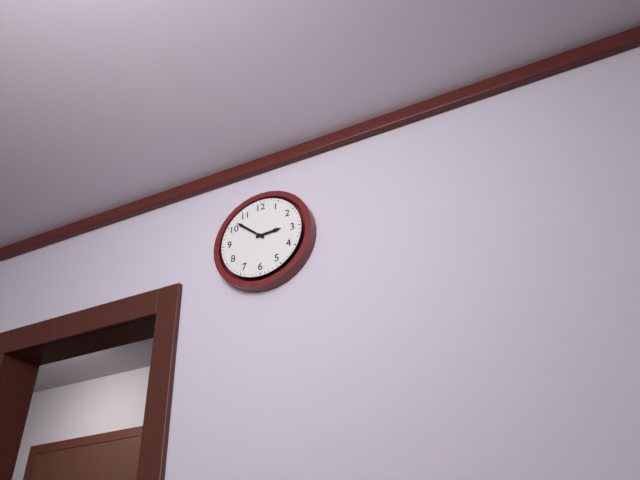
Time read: 2.52
